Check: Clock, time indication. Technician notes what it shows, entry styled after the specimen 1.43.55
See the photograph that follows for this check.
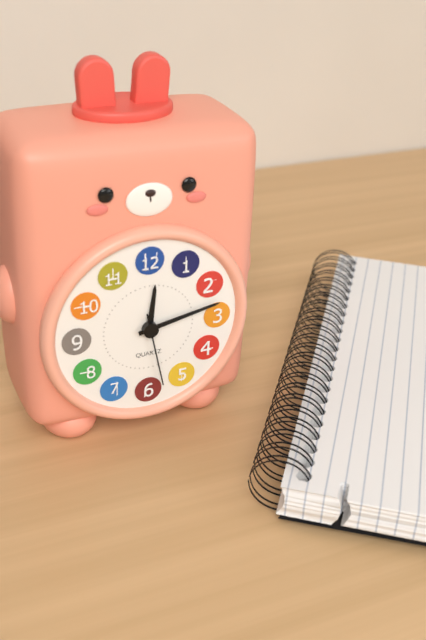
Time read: 12.13.28
